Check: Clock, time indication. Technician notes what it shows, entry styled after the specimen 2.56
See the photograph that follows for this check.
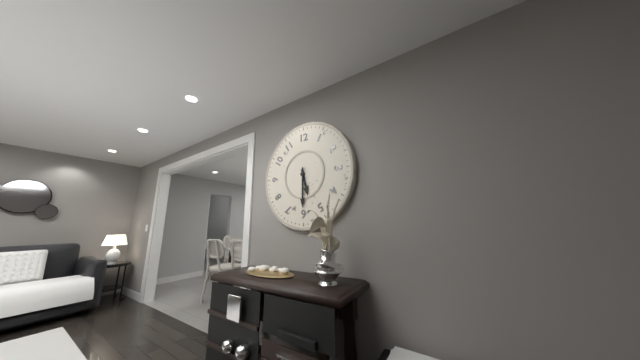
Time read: 5.30
